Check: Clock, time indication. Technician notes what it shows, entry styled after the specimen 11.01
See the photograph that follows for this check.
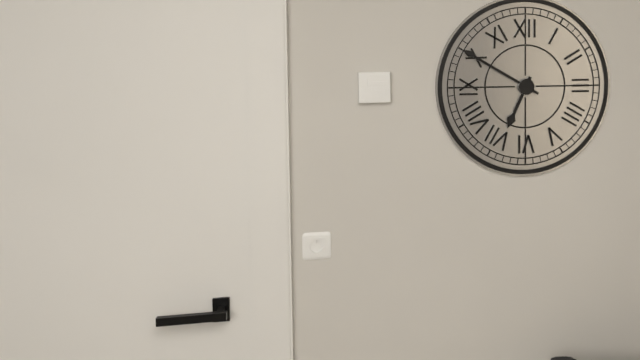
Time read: 6.50
